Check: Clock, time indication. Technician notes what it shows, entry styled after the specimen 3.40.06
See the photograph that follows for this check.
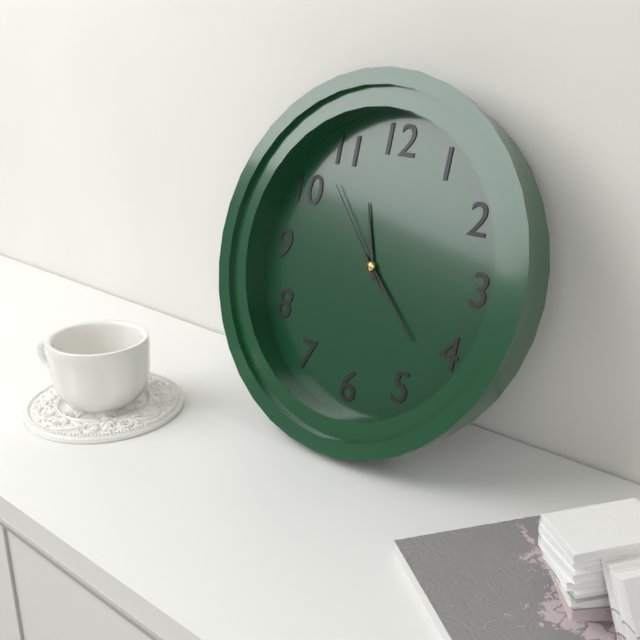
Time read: 11.22.53
